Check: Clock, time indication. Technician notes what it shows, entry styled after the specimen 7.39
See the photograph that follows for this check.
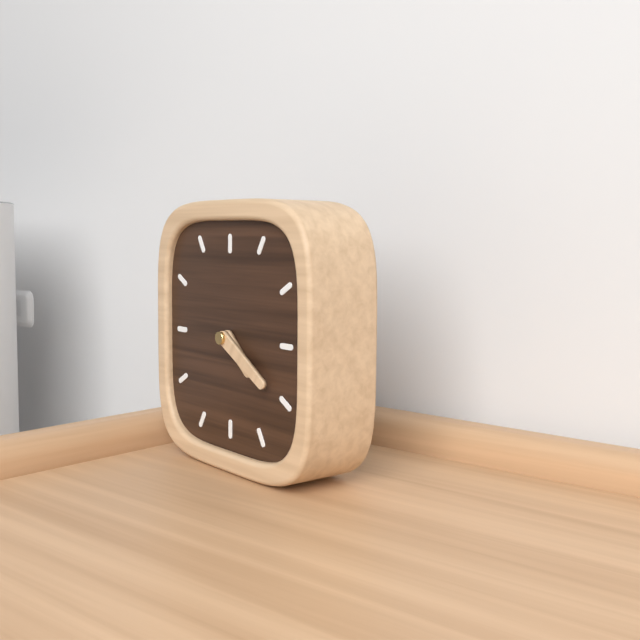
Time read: 4.20
